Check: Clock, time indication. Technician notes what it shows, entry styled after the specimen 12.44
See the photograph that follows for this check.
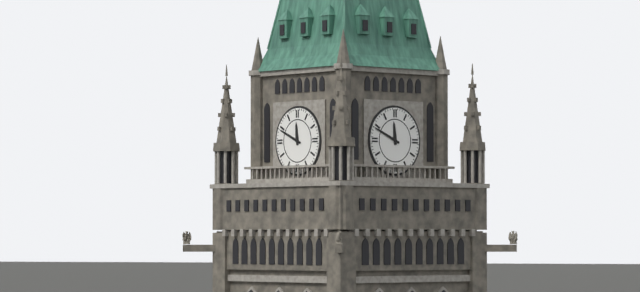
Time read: 11.49
